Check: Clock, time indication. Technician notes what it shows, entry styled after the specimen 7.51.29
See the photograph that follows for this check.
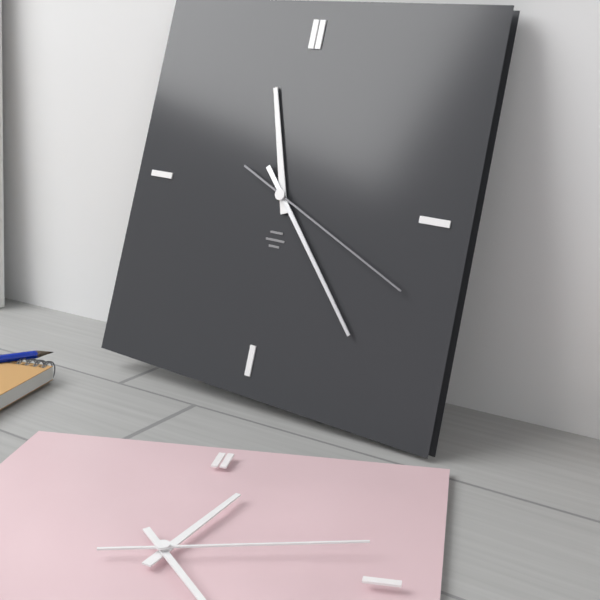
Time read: 11.23.19
